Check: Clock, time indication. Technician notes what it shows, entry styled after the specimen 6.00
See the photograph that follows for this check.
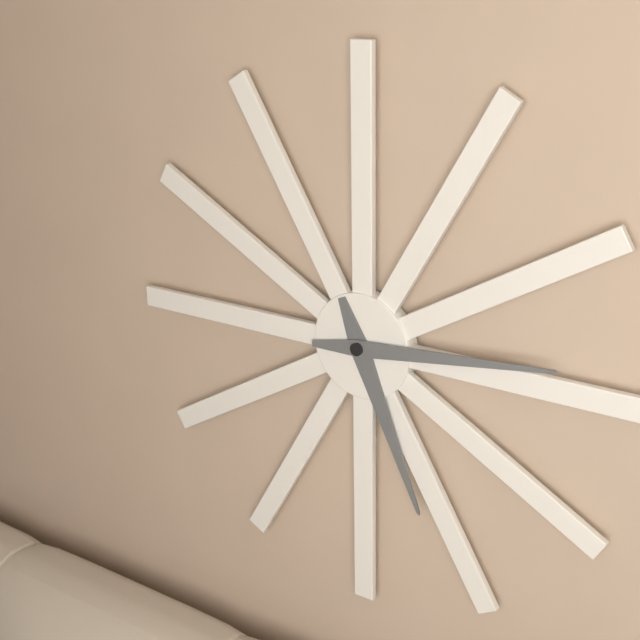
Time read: 5.14
